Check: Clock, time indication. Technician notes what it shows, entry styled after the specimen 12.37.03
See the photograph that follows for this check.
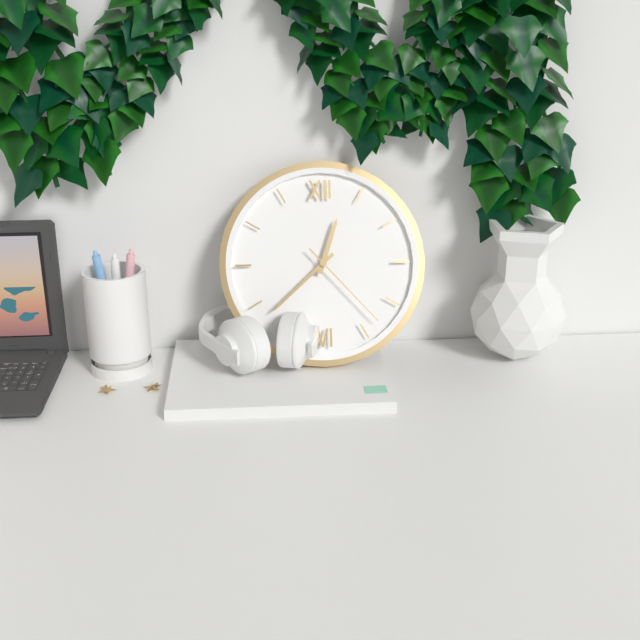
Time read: 12.38.23
